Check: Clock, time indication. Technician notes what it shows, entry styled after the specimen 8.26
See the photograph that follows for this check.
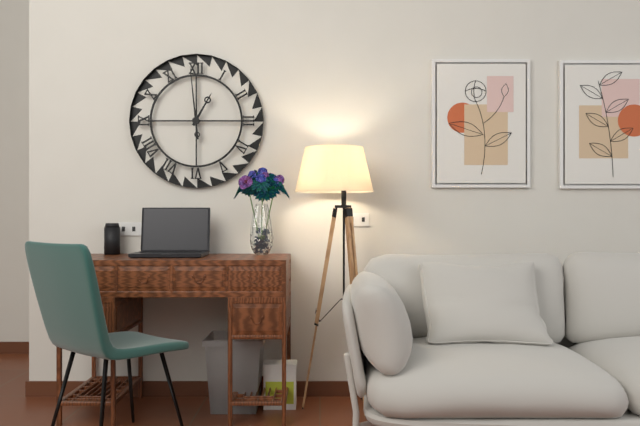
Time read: 12.59
